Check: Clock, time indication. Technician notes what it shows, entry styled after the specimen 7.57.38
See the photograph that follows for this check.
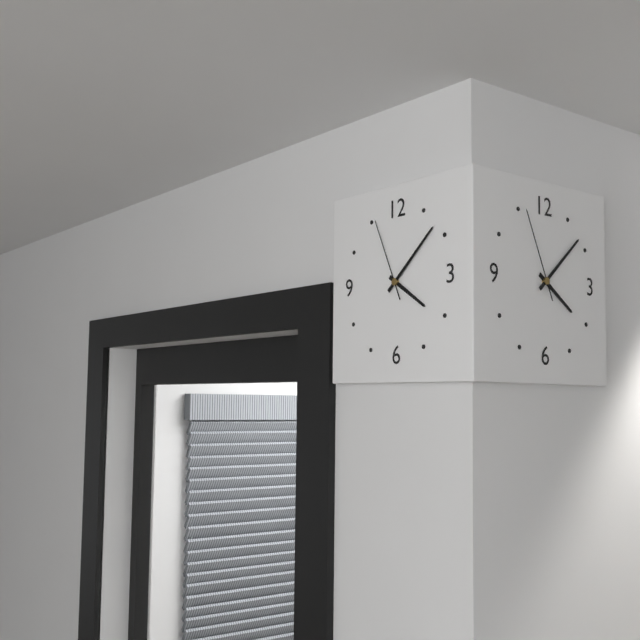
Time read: 4.08.56
